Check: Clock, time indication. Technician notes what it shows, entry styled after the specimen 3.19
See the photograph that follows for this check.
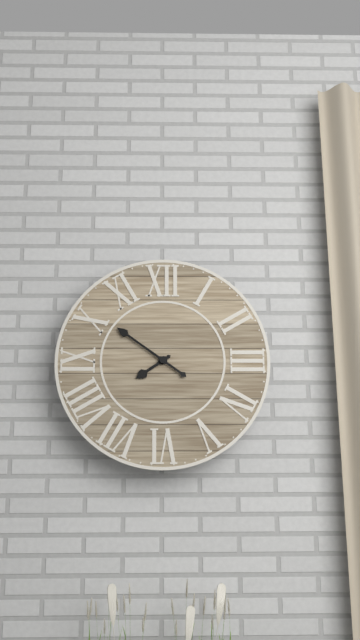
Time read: 7.51
